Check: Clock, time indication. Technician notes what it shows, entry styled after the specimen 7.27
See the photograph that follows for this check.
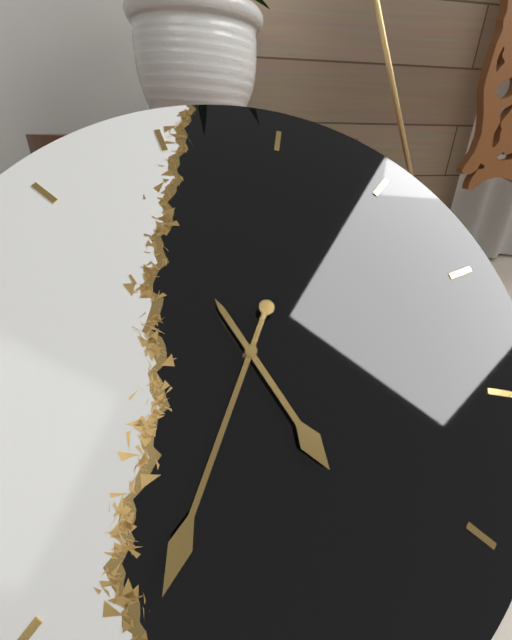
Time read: 5.37
